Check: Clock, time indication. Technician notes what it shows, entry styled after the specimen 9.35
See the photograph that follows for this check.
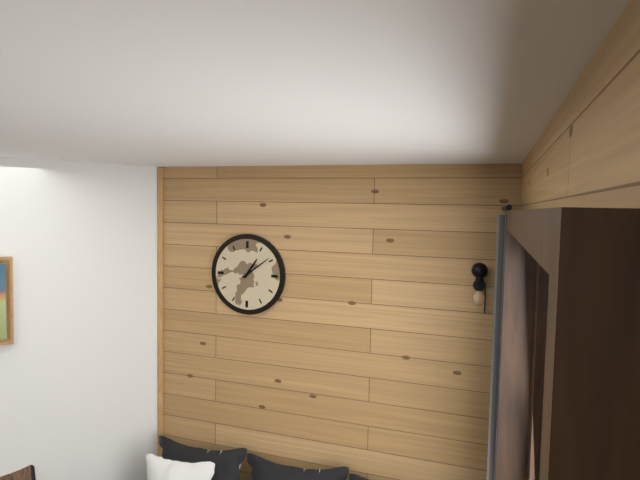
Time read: 1.09
